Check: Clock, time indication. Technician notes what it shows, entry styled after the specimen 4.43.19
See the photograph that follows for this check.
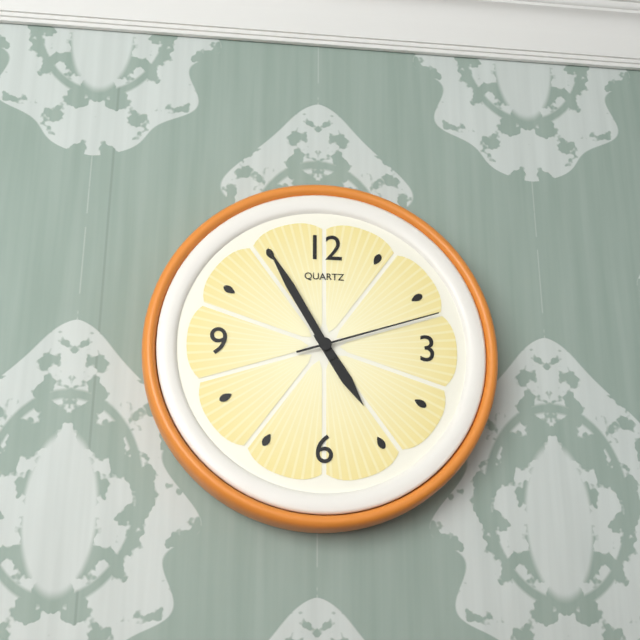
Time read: 4.55.12
